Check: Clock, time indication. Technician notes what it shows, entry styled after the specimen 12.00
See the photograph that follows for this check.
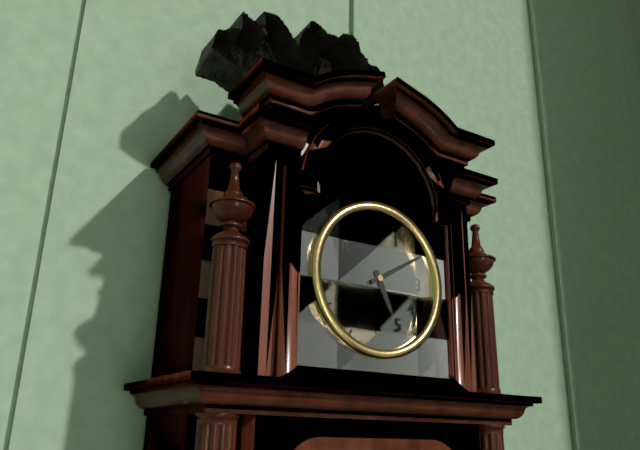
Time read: 5.10
